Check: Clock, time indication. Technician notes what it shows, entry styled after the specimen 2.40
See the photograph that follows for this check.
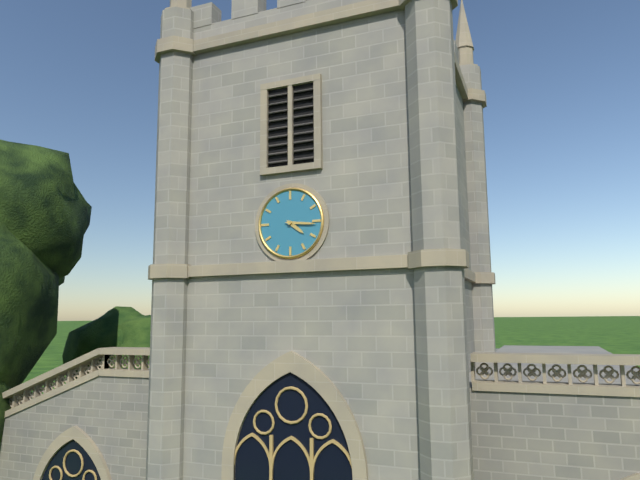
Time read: 4.16
